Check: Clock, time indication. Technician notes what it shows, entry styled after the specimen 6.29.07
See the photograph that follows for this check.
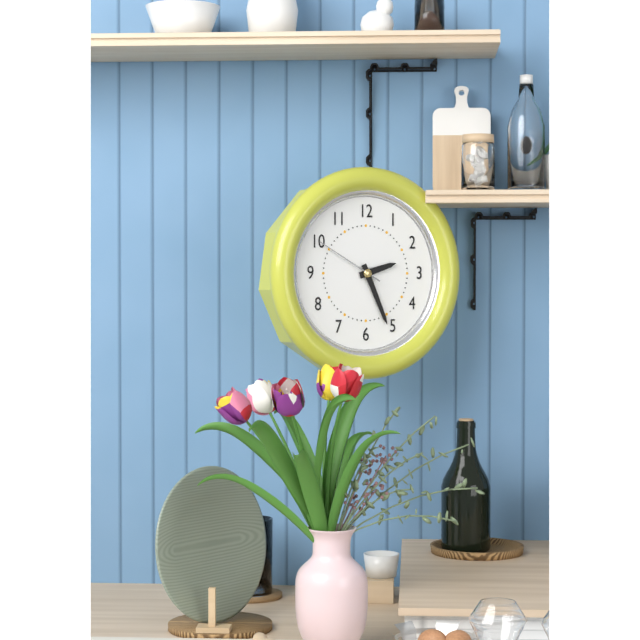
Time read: 2.26.50
